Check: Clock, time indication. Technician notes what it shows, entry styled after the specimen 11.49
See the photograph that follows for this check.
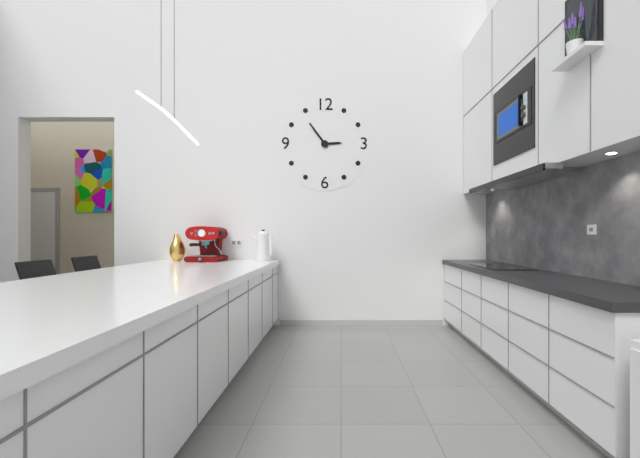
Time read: 2.54
